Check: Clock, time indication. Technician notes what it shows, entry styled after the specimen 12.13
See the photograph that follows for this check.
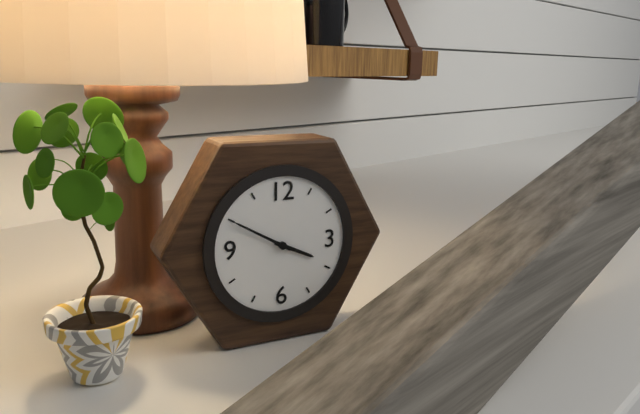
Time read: 3.50
